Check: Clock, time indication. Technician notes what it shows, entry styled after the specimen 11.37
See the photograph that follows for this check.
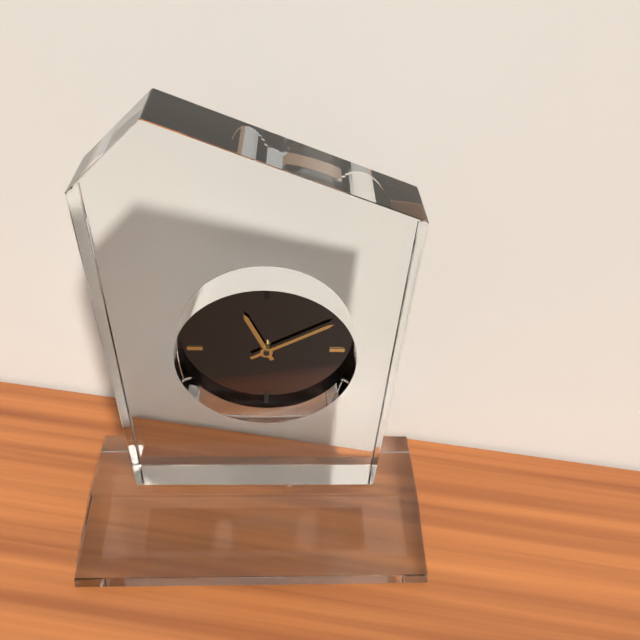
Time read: 11.10
